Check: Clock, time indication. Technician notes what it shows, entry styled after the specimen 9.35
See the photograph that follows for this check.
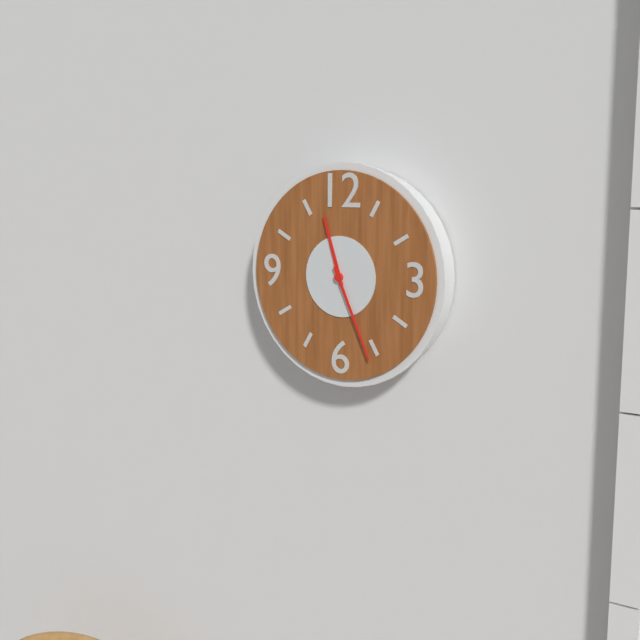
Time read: 11.26
